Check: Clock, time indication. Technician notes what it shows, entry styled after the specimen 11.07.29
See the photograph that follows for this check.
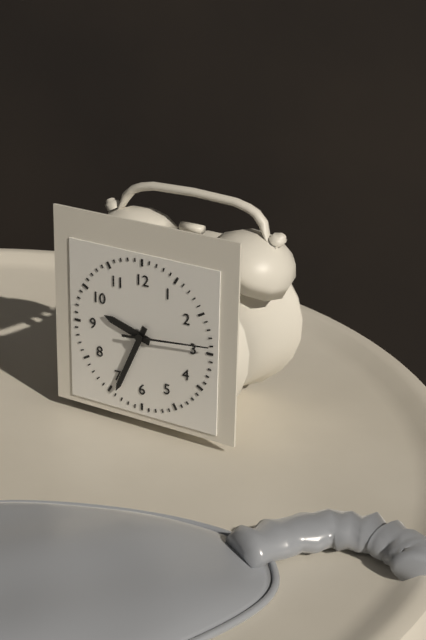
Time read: 9.34.14
